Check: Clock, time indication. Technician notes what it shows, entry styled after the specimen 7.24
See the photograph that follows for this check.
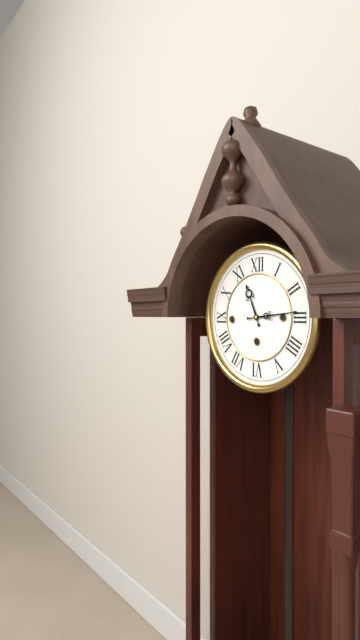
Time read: 11.14
